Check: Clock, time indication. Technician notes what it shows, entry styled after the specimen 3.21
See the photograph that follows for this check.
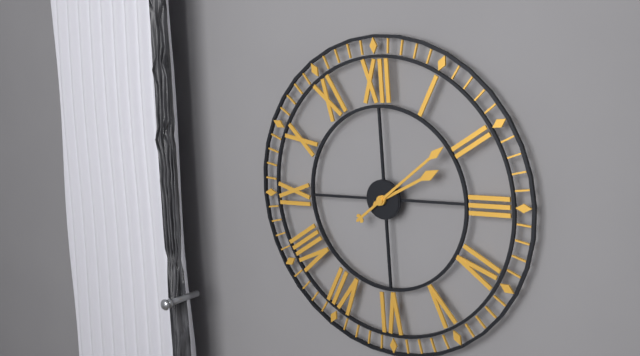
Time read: 2.09
